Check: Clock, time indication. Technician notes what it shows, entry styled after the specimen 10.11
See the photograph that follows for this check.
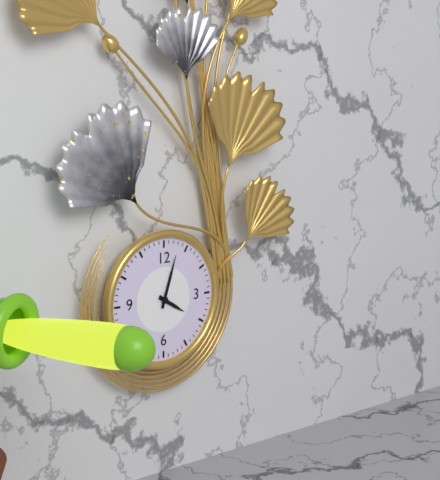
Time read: 4.03
